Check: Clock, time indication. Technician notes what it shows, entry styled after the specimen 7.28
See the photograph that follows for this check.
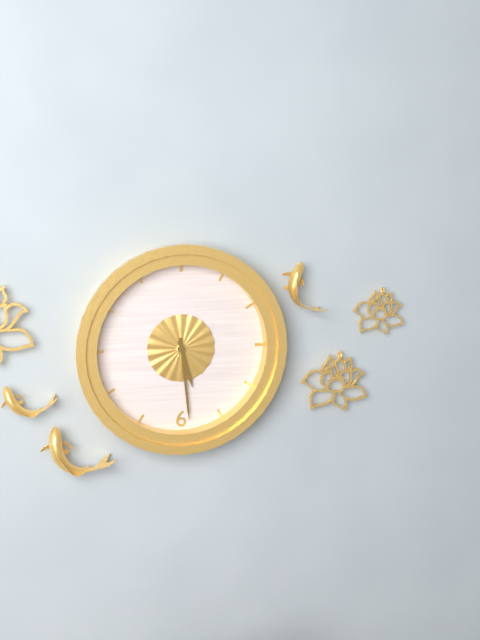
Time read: 5.29
